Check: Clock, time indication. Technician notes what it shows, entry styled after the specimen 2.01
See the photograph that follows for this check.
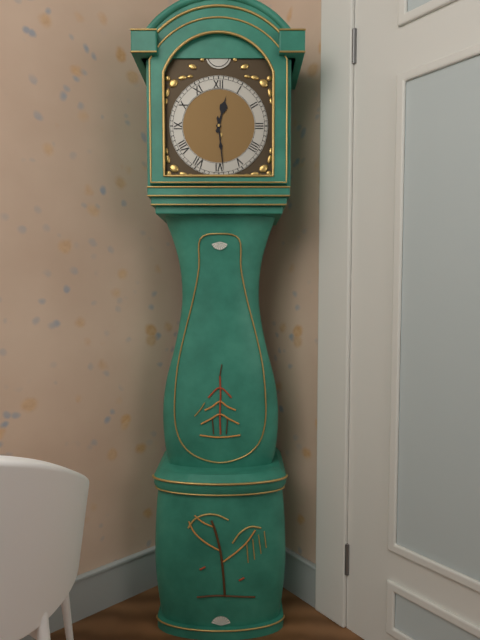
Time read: 12.29
